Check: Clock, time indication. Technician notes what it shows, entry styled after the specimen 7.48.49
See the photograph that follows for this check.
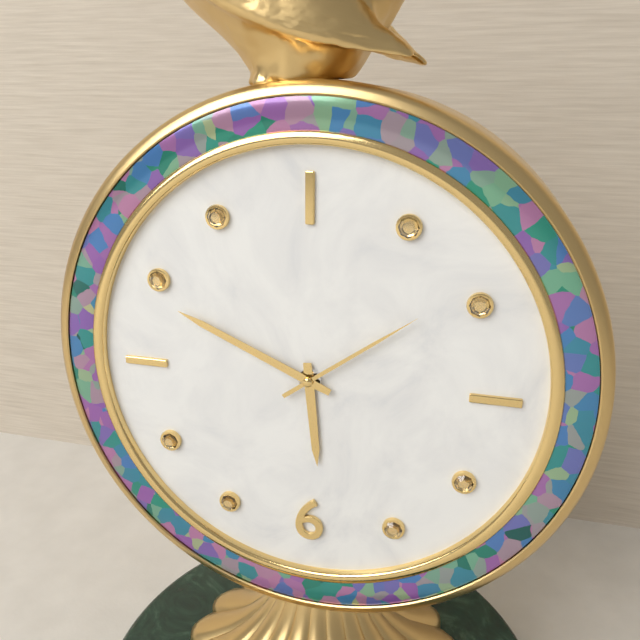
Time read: 5.49.09
